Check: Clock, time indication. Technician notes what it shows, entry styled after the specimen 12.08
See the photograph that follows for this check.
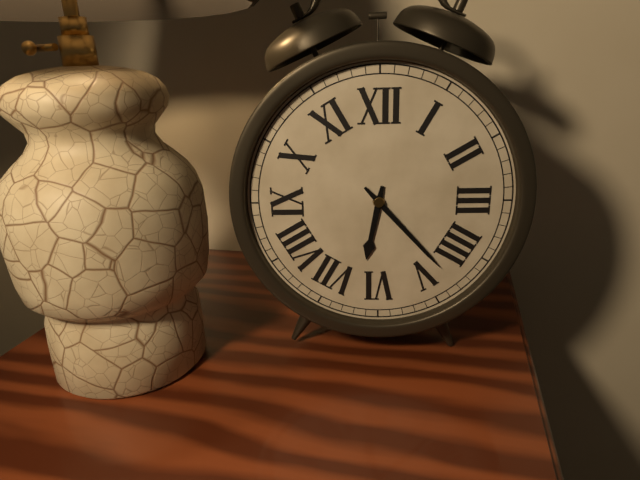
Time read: 6.23
